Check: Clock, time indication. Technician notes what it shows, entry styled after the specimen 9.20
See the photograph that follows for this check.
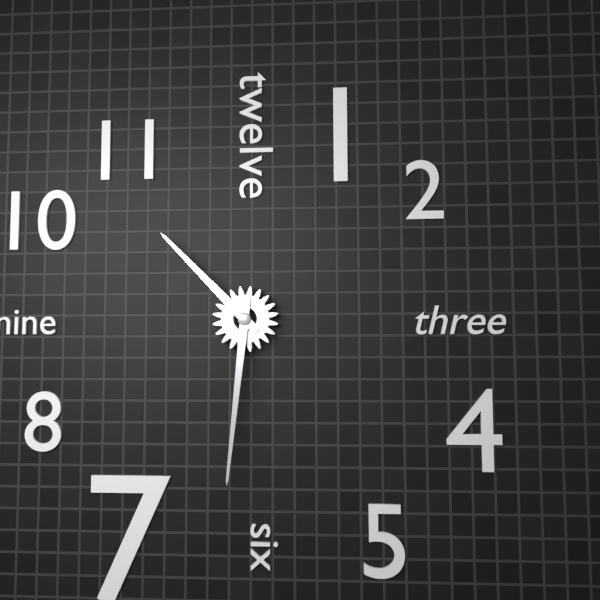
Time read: 10.31
